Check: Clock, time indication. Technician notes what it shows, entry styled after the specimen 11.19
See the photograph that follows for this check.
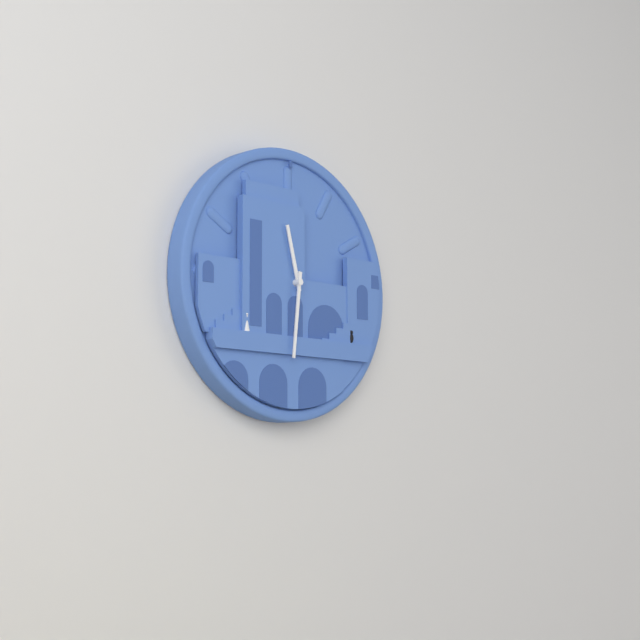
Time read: 11.31
